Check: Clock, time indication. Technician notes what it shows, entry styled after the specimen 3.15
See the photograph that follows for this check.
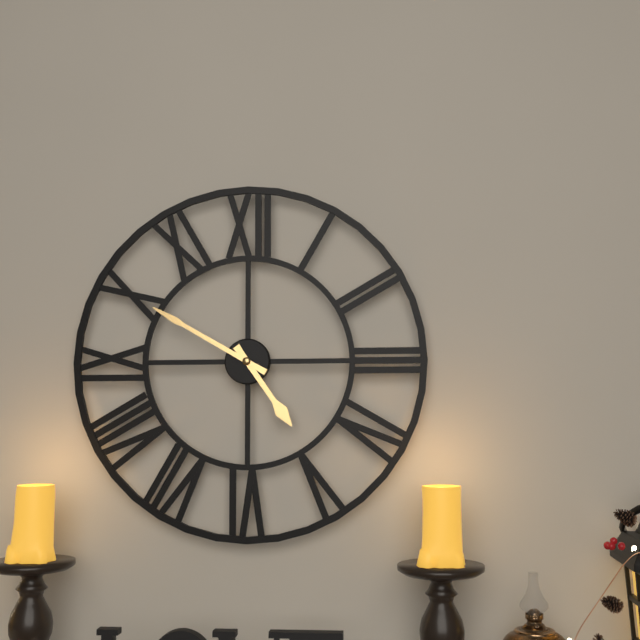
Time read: 4.50
